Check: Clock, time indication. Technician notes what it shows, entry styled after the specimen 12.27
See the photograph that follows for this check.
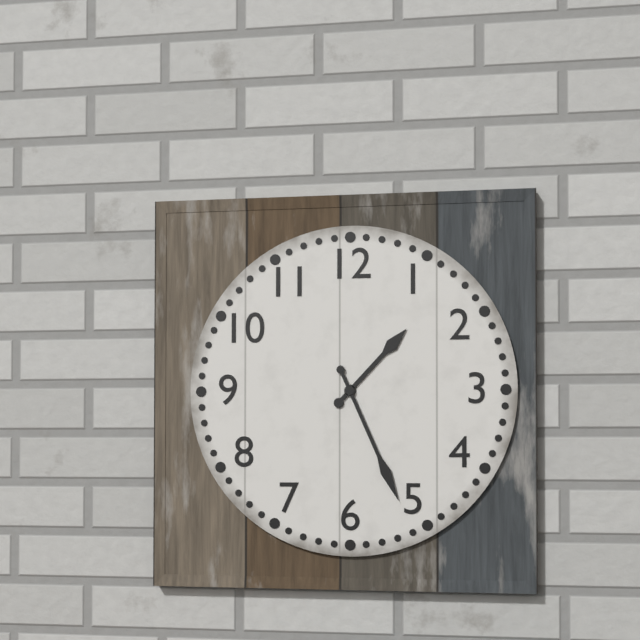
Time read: 1.26
